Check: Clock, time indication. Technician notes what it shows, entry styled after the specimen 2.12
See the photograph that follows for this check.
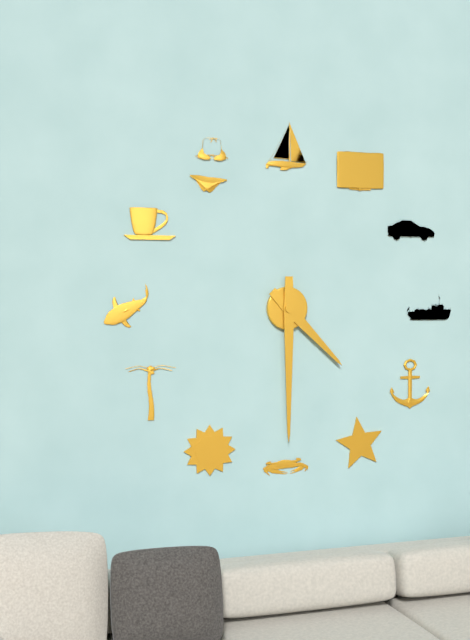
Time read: 4.30
